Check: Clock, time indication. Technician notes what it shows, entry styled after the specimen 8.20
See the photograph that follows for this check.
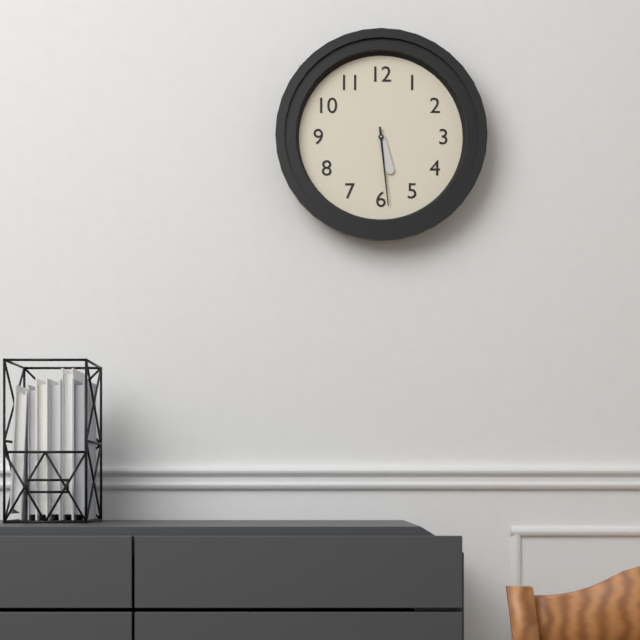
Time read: 5.29
